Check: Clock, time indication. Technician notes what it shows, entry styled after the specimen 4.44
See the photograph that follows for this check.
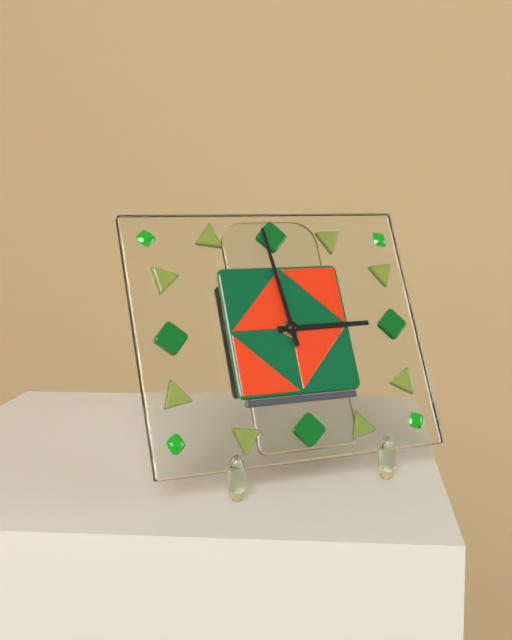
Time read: 2.59
